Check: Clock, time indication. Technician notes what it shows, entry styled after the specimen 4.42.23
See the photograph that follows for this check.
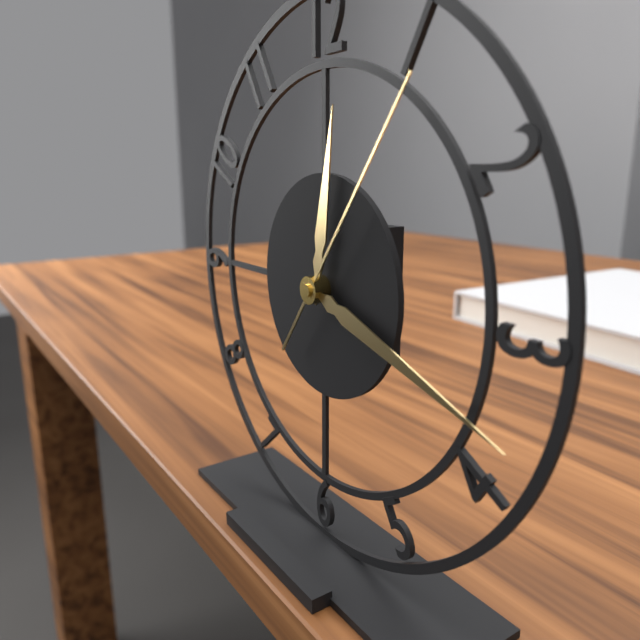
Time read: 12.18.06
